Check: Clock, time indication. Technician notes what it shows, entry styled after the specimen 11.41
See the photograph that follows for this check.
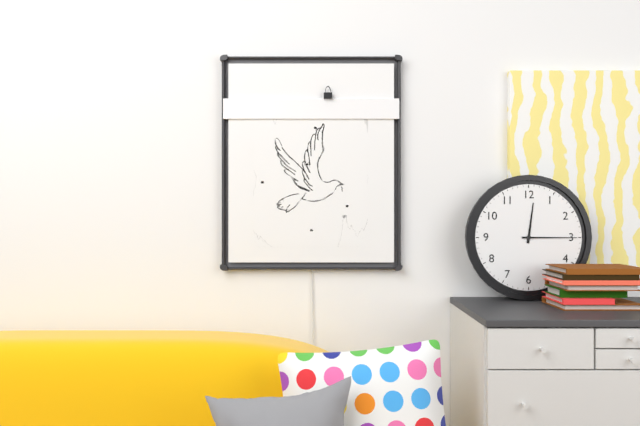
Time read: 12.15
